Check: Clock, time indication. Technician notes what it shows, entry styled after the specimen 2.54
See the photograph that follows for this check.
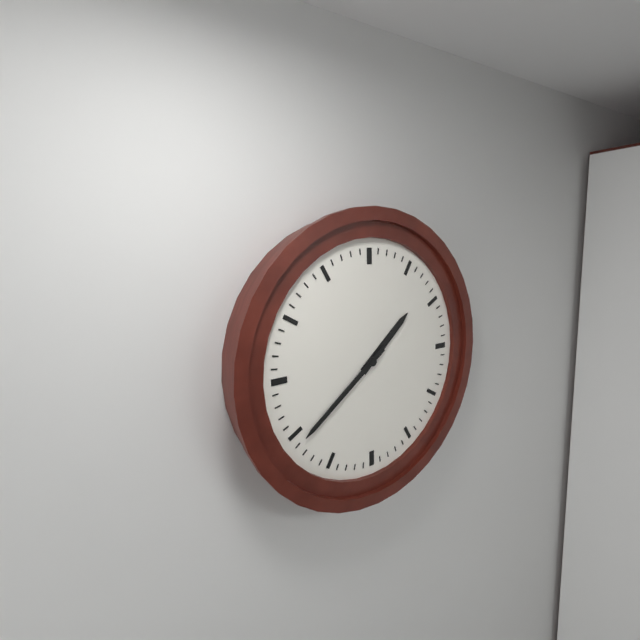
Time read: 1.39
